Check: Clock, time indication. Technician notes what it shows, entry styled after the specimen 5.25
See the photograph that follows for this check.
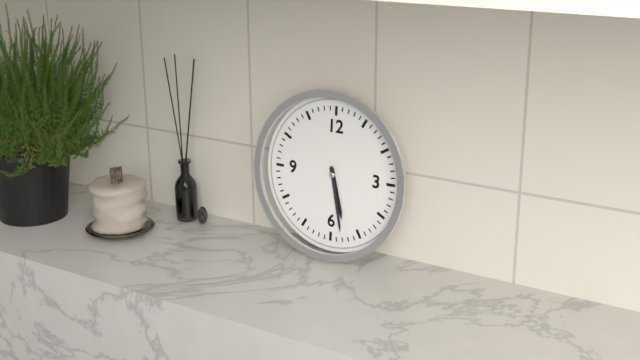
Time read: 5.28
